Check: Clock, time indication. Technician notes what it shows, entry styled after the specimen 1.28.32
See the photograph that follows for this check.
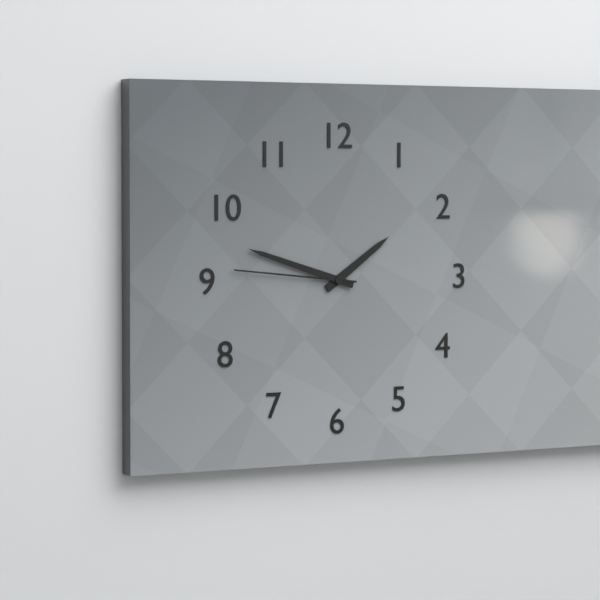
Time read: 1.48.46
